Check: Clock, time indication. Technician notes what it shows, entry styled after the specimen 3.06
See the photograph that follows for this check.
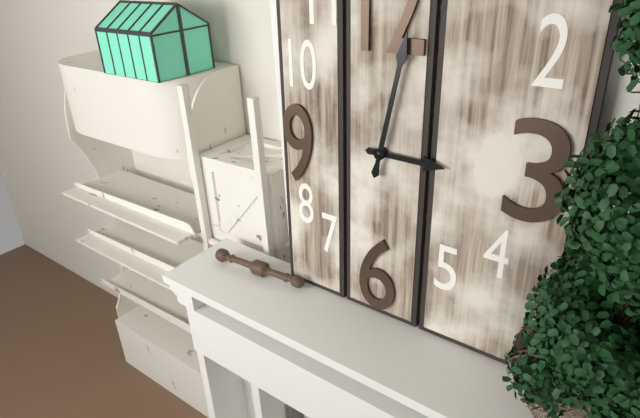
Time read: 3.02
